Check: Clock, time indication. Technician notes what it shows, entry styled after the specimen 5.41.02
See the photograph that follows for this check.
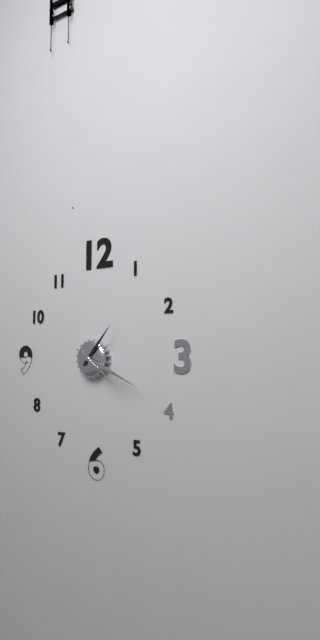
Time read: 1.19.21
